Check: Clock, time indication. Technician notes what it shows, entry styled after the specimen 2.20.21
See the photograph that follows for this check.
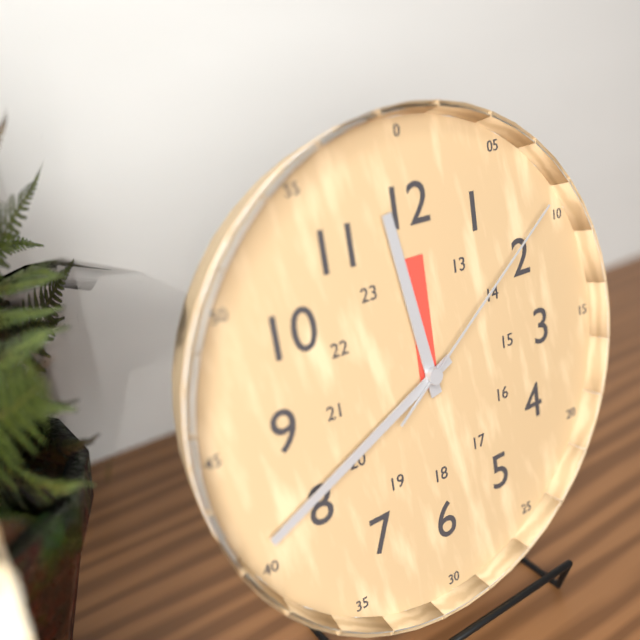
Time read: 11.41.09
